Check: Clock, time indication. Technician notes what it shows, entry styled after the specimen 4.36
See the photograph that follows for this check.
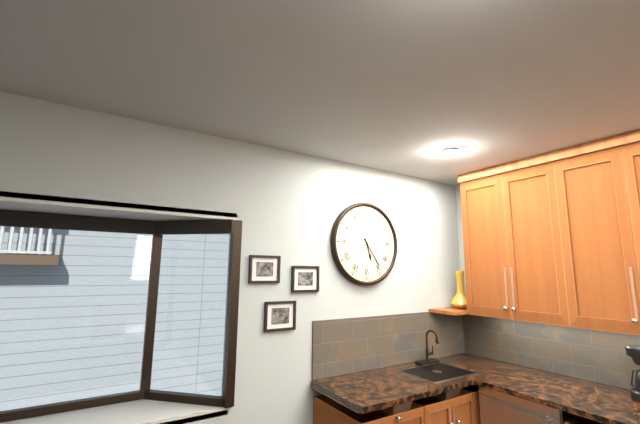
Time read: 5.24
